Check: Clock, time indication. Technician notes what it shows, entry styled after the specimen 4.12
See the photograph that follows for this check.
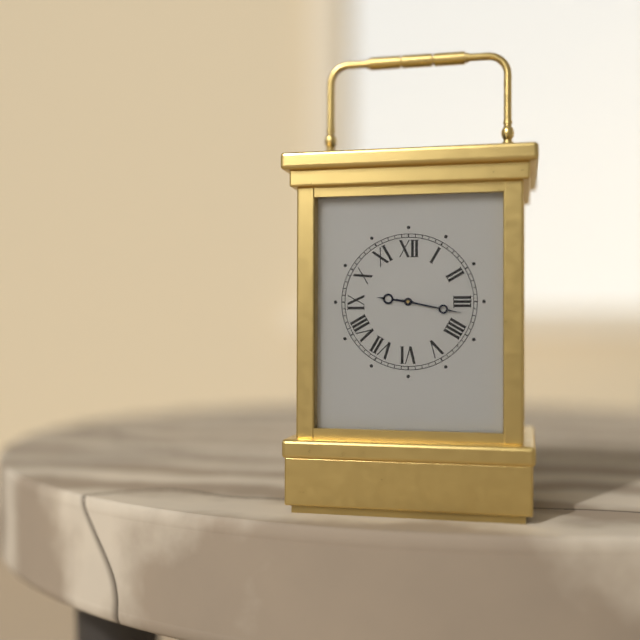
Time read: 9.17
